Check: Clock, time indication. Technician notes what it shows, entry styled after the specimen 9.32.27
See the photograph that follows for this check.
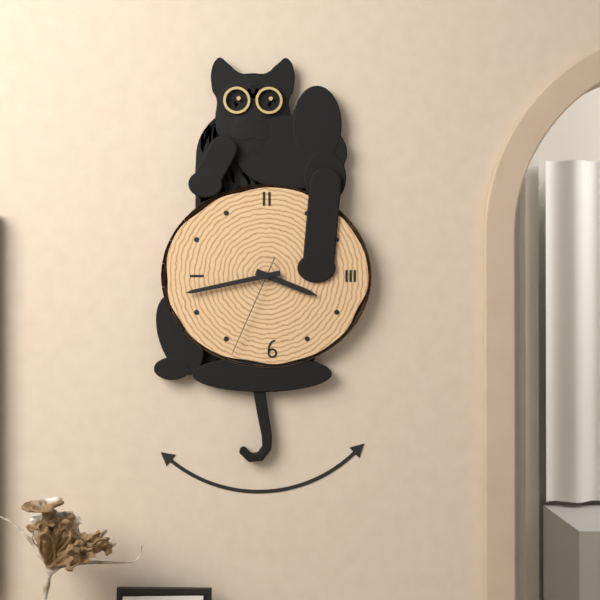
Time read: 3.43.34
